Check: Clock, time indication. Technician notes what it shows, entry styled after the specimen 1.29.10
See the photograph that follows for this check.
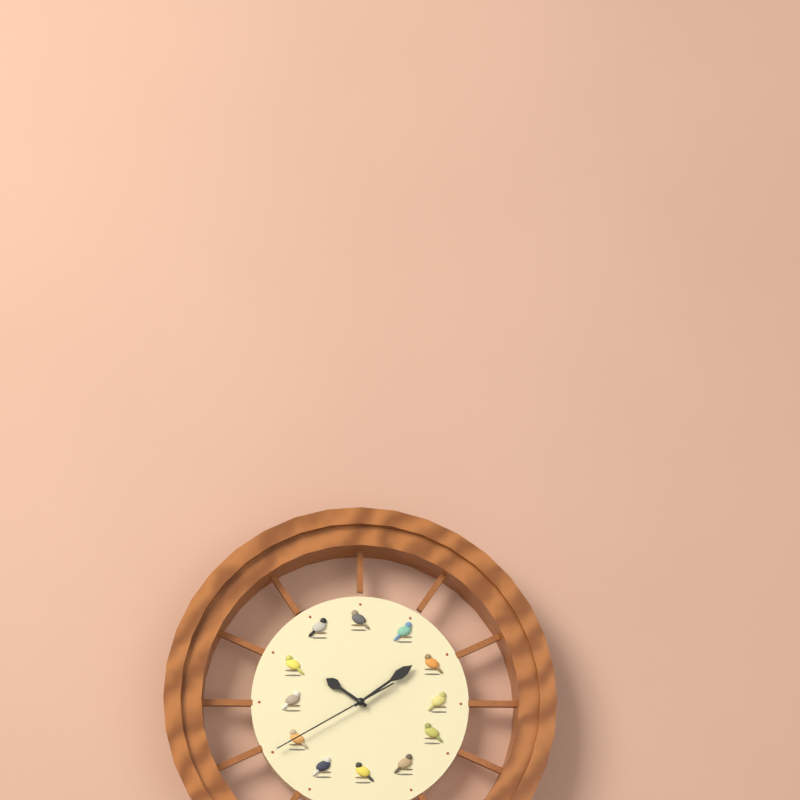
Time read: 10.09.40
